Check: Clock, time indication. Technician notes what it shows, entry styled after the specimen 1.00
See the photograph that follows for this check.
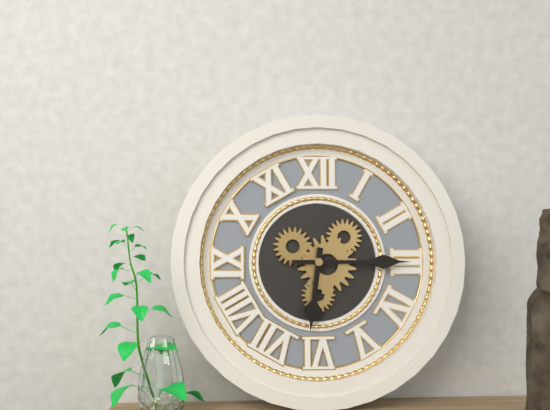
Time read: 6.15
